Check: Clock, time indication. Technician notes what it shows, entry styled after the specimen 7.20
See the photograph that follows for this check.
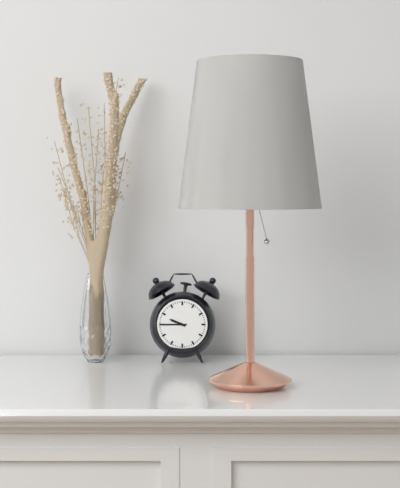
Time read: 9.45
